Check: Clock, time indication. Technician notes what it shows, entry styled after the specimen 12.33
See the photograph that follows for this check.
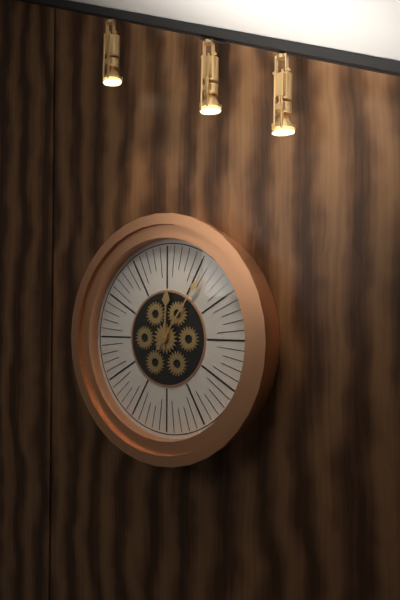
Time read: 12.06
